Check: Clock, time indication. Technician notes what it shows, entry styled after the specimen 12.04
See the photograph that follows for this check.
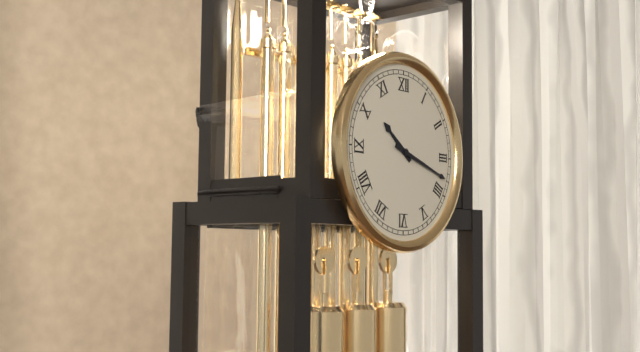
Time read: 10.18
